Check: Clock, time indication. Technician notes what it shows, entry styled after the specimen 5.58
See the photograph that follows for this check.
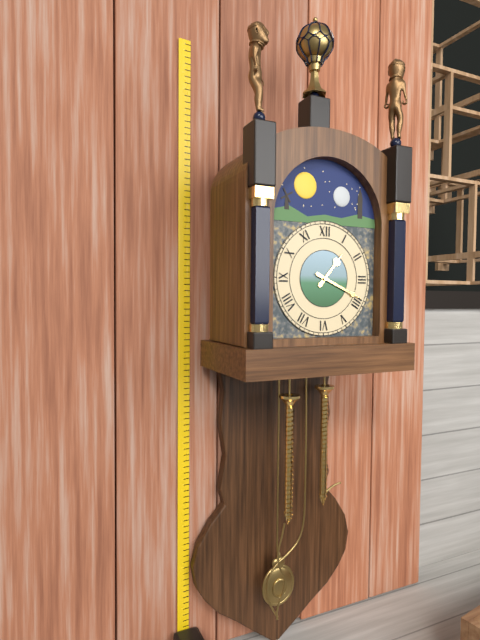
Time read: 1.19
